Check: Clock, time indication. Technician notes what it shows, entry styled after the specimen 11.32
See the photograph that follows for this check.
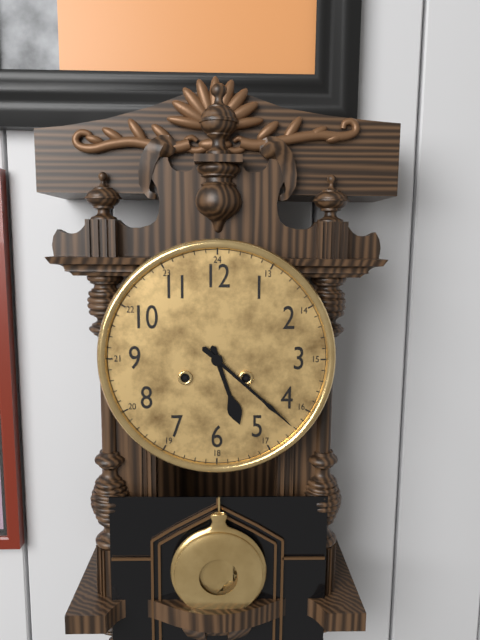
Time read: 5.22
